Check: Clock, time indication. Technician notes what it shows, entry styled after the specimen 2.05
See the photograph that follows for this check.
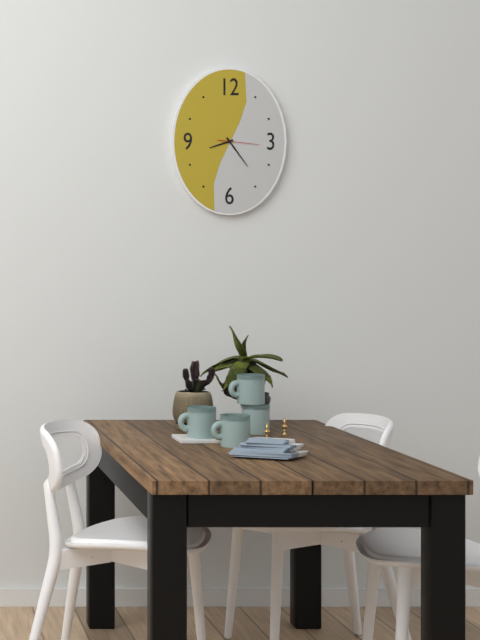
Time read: 8.24
